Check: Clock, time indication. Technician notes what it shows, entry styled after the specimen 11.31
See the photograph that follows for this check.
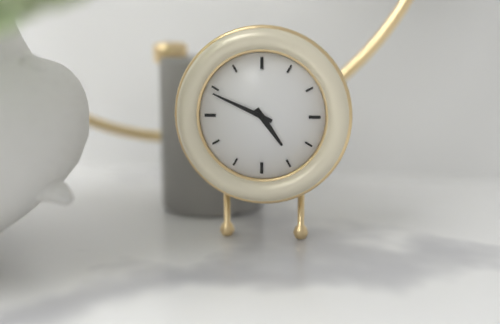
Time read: 4.49
